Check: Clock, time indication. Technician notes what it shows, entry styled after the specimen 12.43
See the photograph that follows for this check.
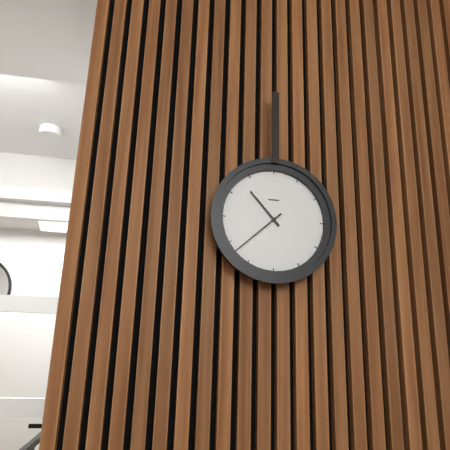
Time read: 10.38
